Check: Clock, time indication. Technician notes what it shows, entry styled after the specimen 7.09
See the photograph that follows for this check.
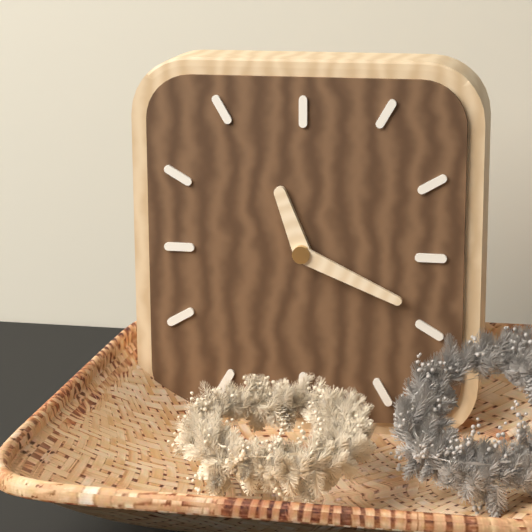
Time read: 11.19
